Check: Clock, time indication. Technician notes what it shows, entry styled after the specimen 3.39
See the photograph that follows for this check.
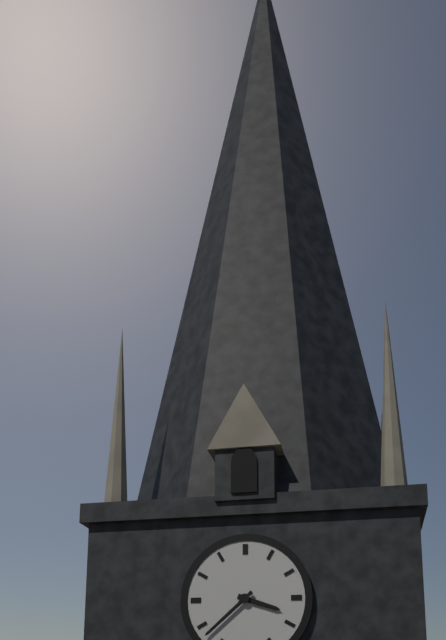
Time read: 3.38
